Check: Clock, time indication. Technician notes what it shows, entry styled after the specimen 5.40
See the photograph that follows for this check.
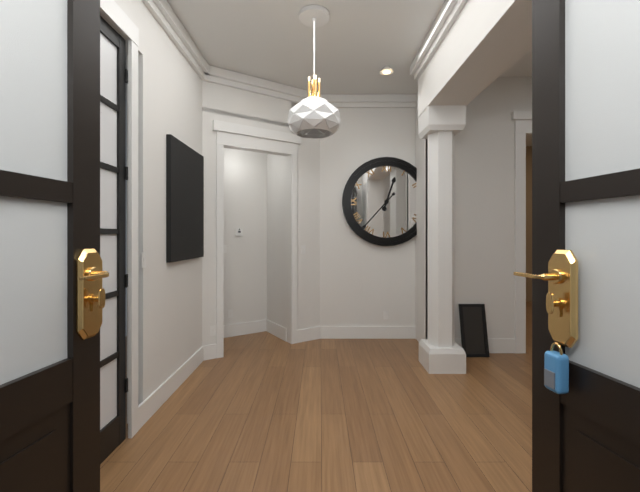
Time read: 12.37
